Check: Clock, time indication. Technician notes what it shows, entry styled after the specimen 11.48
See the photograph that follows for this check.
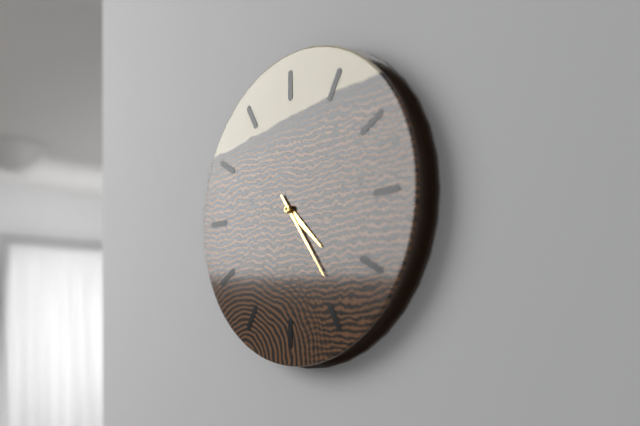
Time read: 4.24
